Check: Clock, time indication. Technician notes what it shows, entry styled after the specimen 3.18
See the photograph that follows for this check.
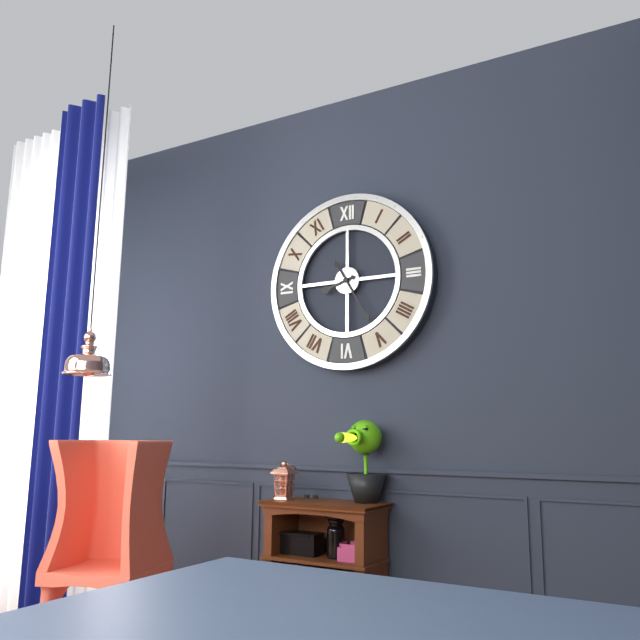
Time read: 8.25
